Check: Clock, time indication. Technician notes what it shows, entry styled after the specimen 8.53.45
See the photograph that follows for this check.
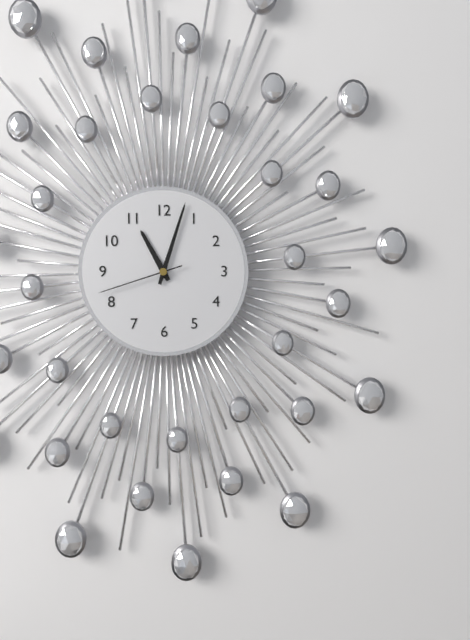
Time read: 11.03.42
